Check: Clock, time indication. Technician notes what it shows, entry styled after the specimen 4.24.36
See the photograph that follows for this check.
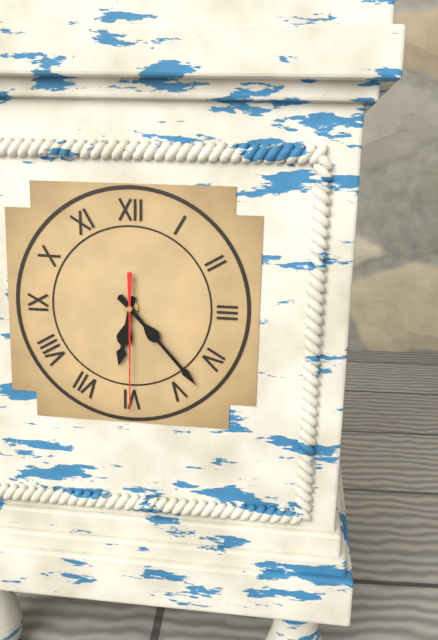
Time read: 6.23.30
